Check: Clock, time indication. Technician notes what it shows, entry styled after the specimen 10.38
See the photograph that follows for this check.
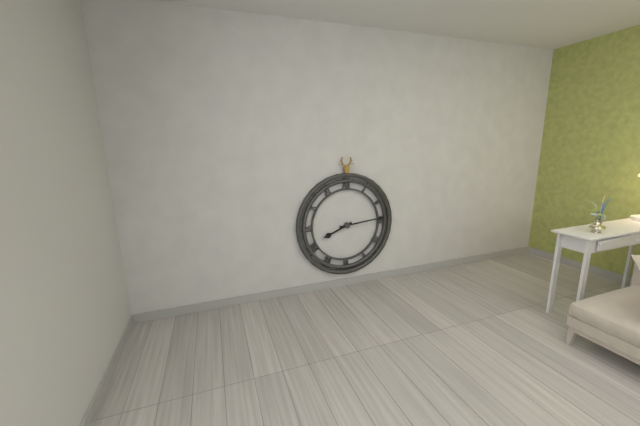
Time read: 8.14
